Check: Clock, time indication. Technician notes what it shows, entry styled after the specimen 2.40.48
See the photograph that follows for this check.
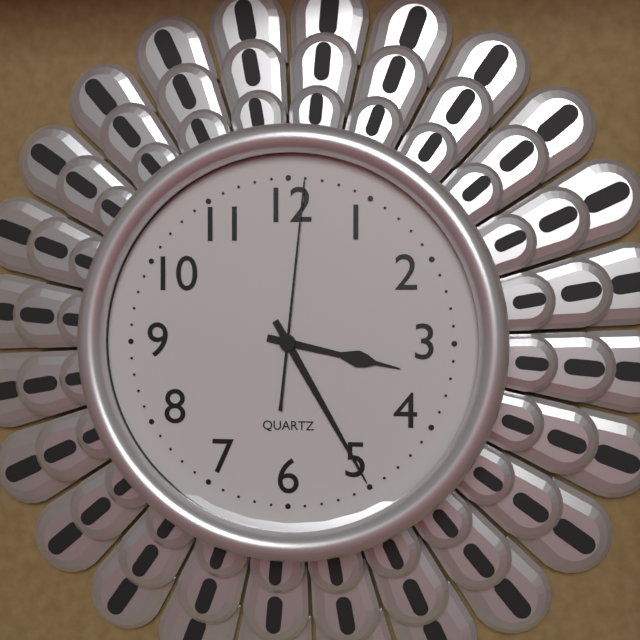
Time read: 3.25.01
